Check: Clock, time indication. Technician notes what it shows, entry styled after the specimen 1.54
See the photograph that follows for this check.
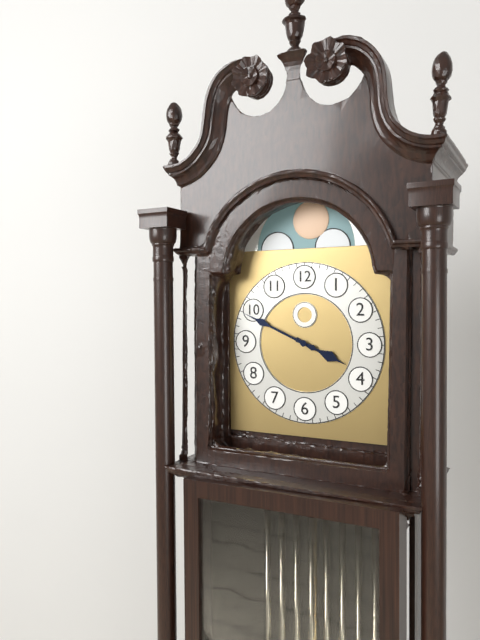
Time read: 3.49
